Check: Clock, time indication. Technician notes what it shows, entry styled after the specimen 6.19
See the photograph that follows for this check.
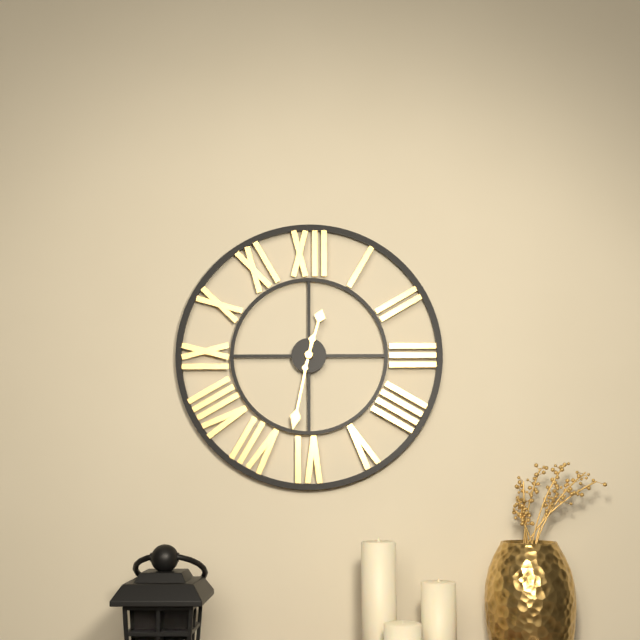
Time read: 12.32
